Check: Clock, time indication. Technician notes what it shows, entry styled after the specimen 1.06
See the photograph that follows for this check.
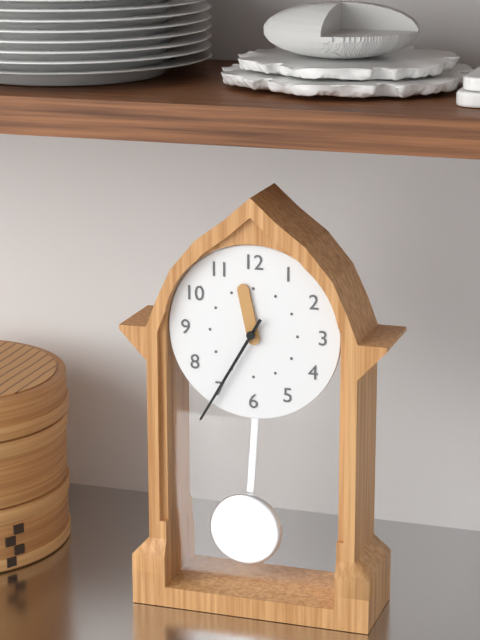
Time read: 11.35
